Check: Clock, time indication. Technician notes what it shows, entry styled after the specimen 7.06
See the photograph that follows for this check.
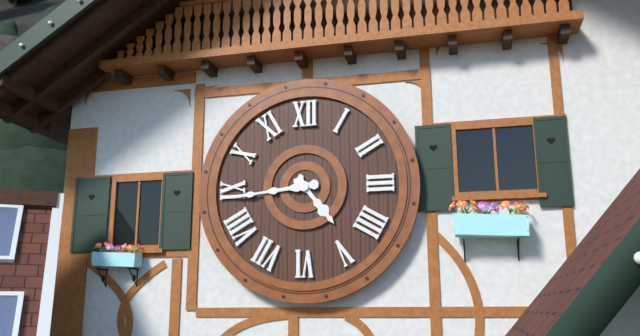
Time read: 4.44
